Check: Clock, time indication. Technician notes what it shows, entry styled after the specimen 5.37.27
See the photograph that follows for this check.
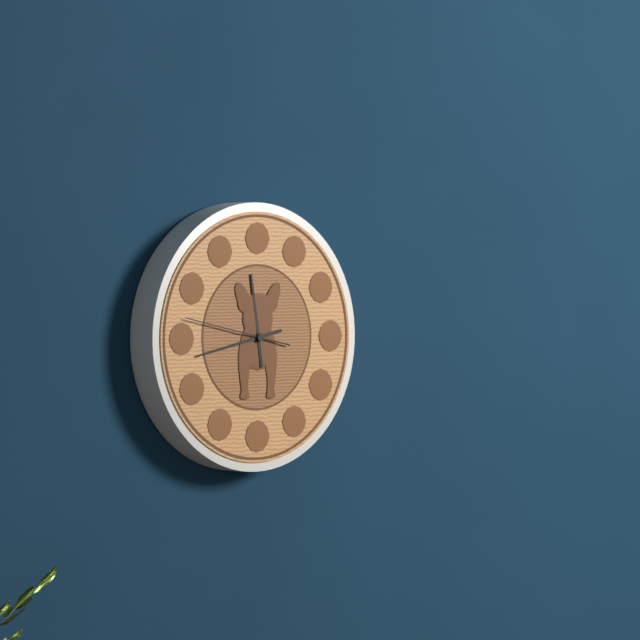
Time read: 11.43.47
